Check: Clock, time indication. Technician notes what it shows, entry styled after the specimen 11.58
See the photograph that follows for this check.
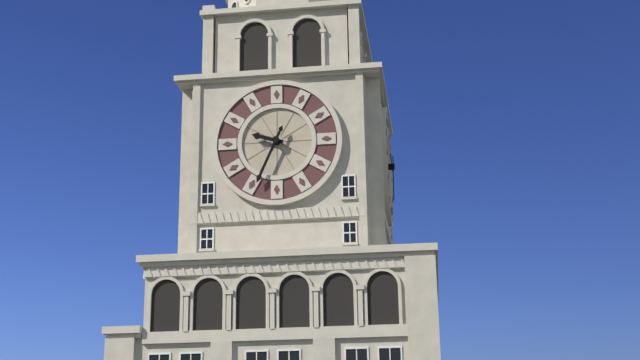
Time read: 9.34
